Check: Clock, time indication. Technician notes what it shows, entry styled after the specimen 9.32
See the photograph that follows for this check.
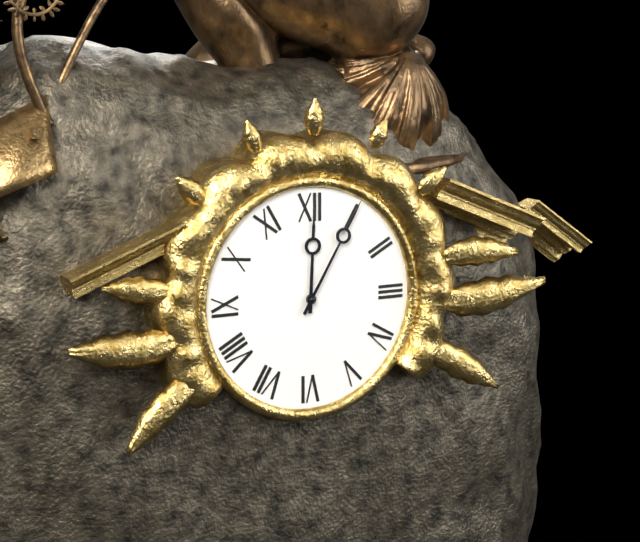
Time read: 12.05
